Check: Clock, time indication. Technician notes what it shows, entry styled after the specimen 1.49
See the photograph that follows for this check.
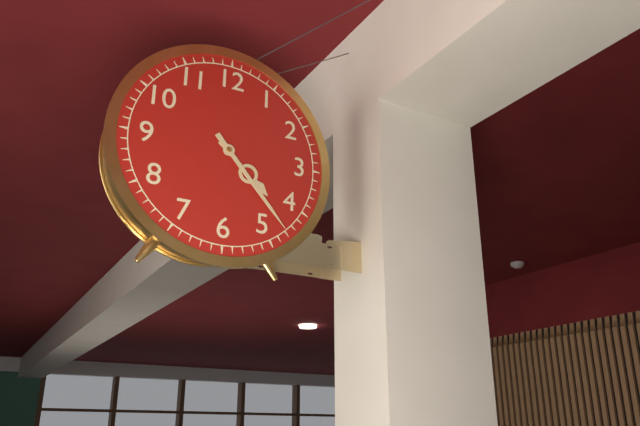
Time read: 4.23
